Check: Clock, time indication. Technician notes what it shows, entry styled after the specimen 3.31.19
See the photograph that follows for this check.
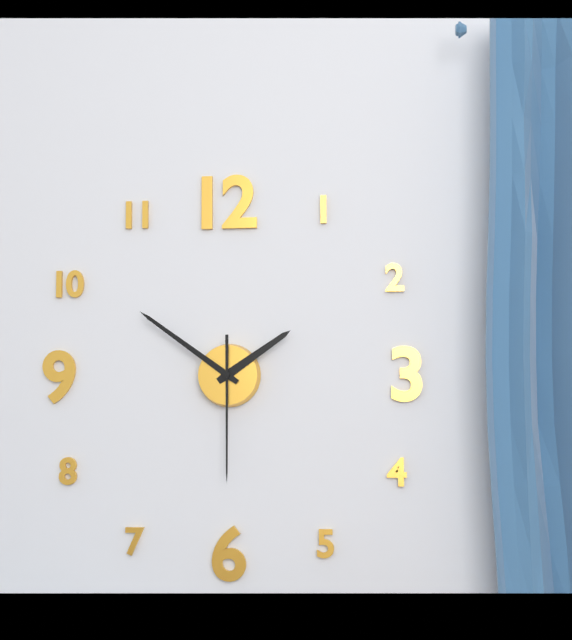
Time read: 1.51.30
